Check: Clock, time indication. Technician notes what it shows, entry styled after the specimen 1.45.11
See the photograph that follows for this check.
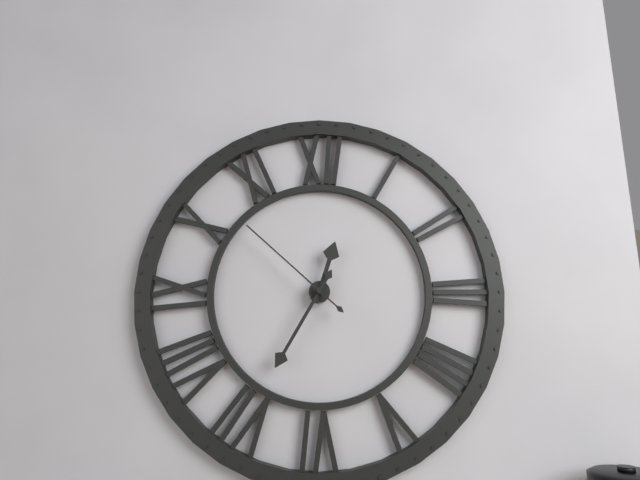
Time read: 12.35.52
